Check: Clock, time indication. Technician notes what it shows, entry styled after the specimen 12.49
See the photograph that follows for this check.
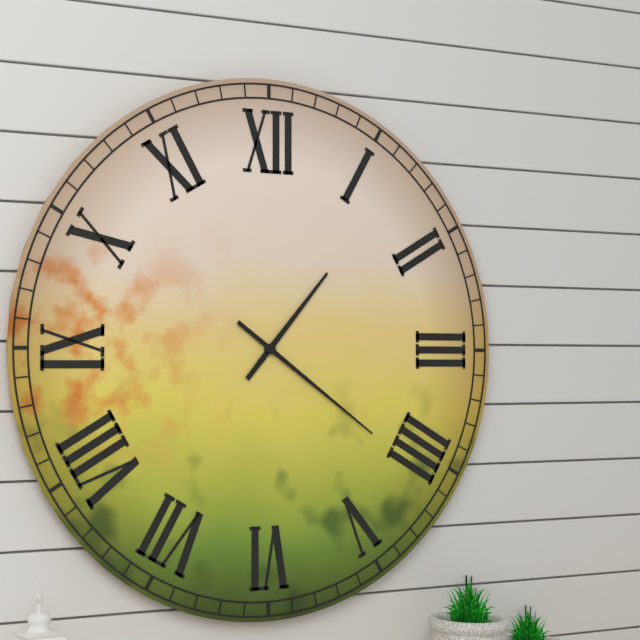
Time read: 1.21
